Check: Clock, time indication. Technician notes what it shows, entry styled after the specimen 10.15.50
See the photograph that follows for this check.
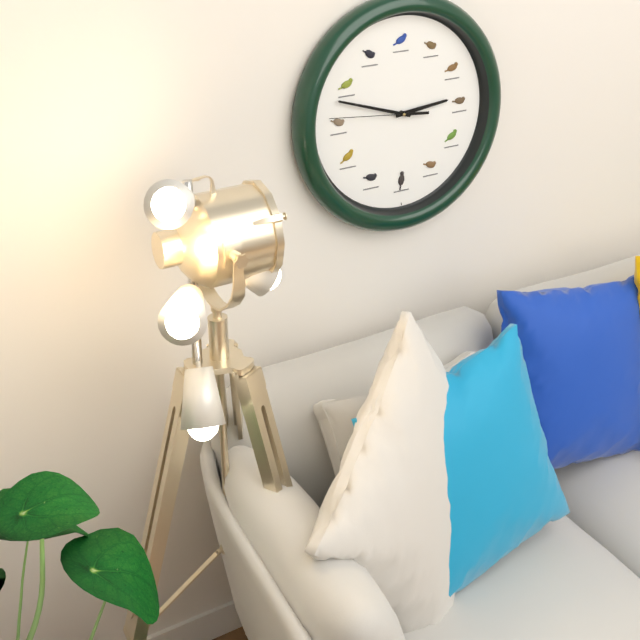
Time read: 2.48.46
